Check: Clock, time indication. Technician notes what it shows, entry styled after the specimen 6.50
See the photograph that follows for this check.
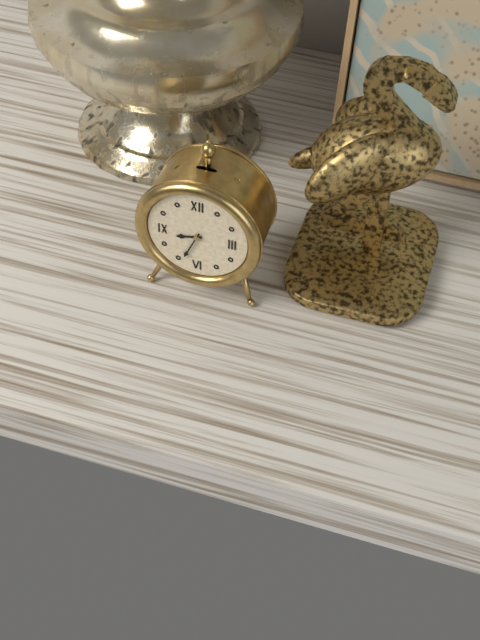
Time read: 8.34
